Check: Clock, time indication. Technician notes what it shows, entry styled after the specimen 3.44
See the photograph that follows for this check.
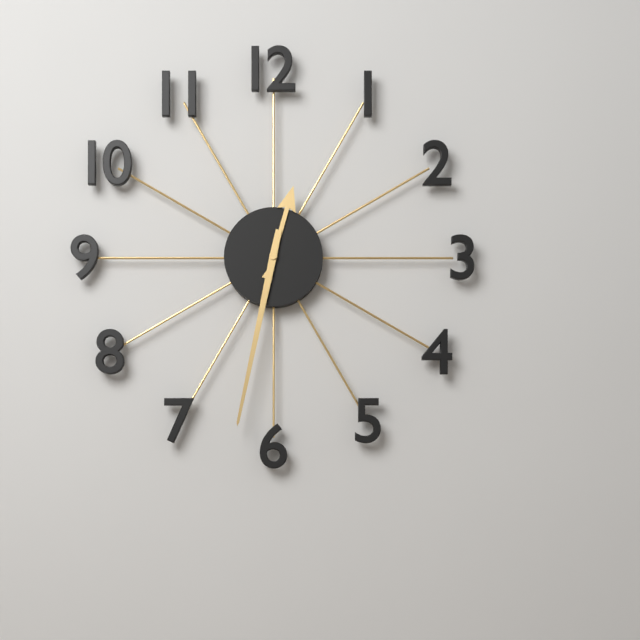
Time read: 12.32
